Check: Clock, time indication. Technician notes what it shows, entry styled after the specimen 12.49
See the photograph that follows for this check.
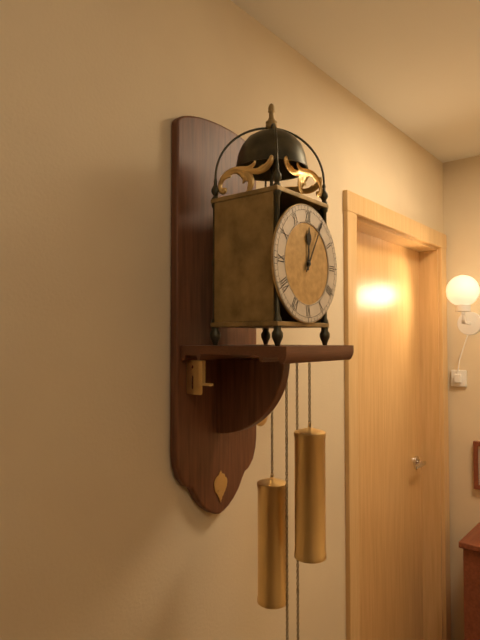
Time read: 12.05
